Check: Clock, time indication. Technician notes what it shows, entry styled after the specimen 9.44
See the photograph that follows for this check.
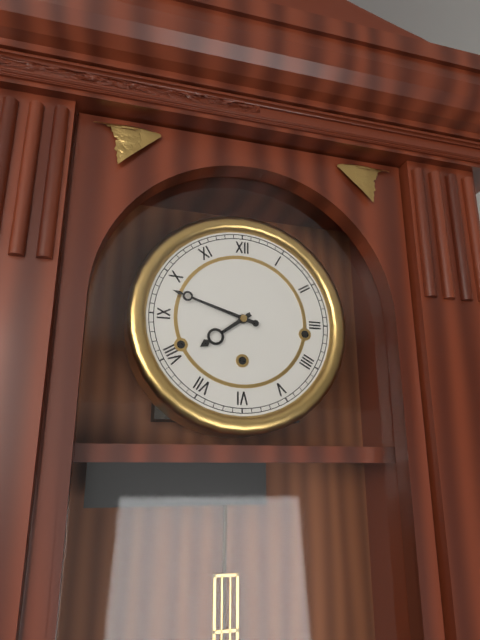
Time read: 7.48
